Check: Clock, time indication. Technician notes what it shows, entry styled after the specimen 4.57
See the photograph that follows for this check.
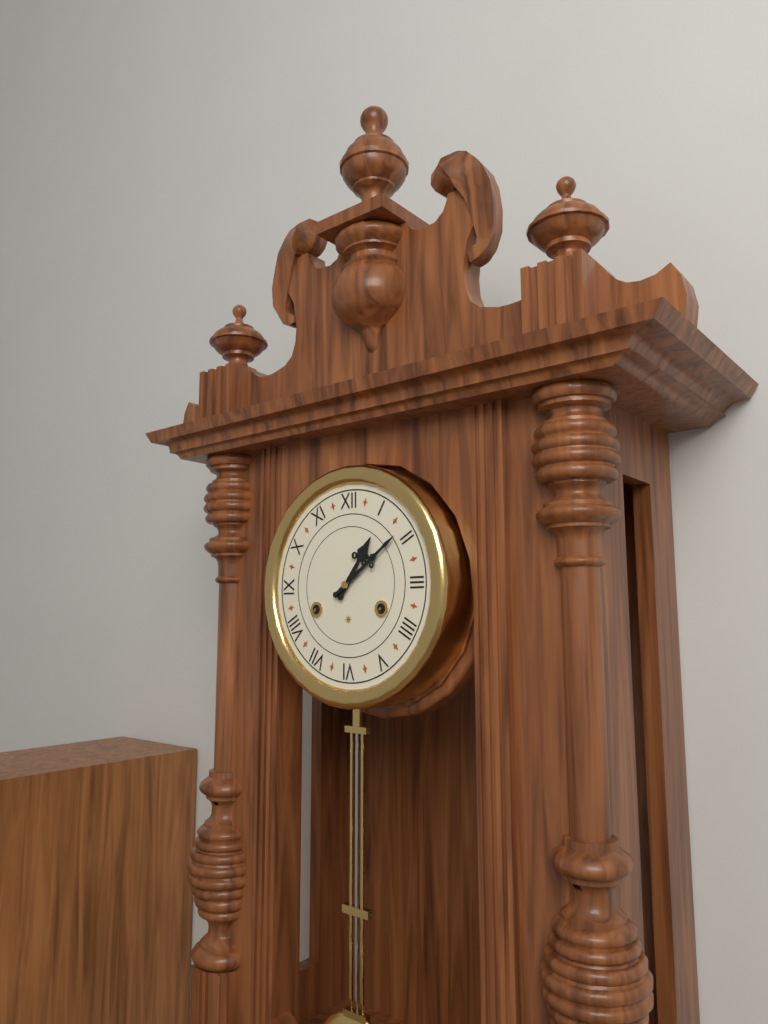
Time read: 1.09
